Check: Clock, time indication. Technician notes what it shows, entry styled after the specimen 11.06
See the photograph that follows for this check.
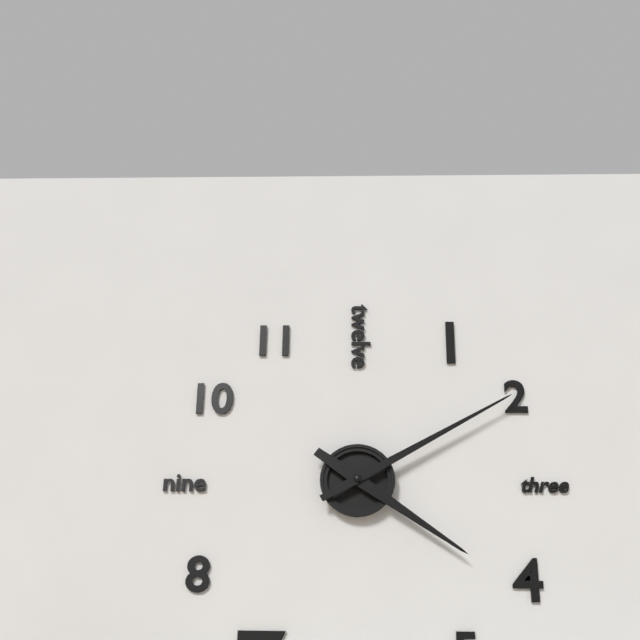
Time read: 4.10
